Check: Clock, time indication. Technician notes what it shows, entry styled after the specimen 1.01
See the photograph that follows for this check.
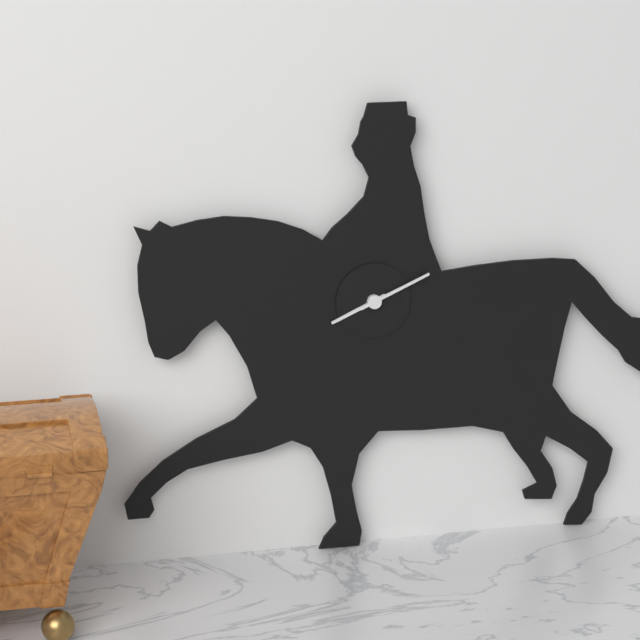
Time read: 8.11
